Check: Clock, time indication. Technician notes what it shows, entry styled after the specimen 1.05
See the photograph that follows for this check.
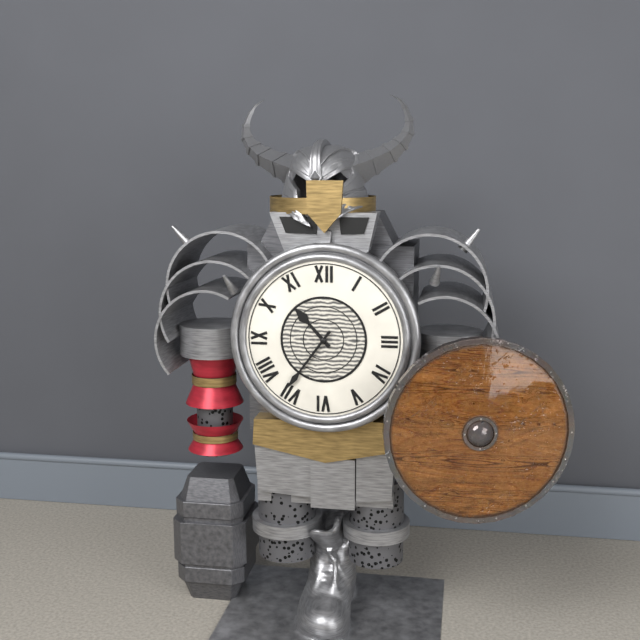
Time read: 10.36
